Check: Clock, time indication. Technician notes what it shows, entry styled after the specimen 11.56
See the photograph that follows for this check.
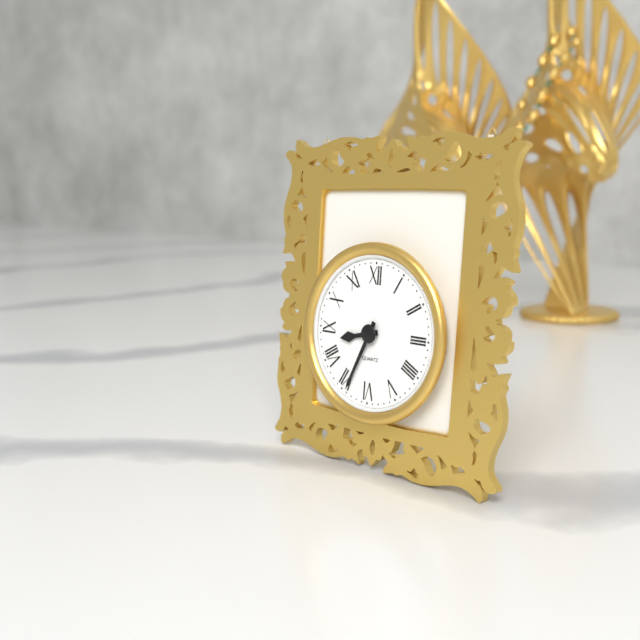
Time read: 8.34
